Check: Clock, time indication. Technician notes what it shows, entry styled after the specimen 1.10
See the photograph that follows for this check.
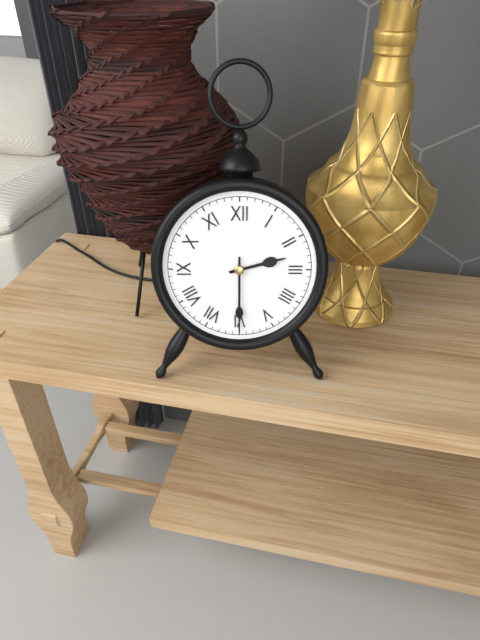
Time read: 2.30
